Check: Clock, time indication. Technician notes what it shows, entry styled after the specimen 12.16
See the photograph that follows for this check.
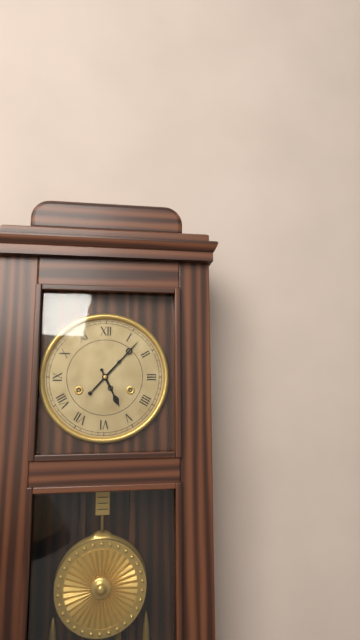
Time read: 5.07
